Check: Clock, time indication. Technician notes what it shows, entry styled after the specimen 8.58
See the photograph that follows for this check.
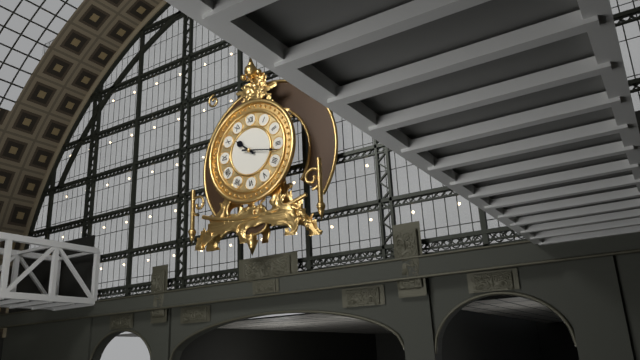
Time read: 10.17
